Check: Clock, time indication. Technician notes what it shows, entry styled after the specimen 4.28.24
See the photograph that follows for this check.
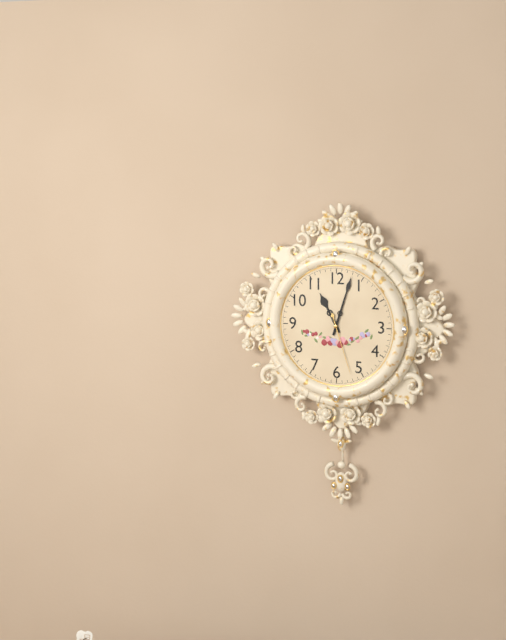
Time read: 11.03.27
